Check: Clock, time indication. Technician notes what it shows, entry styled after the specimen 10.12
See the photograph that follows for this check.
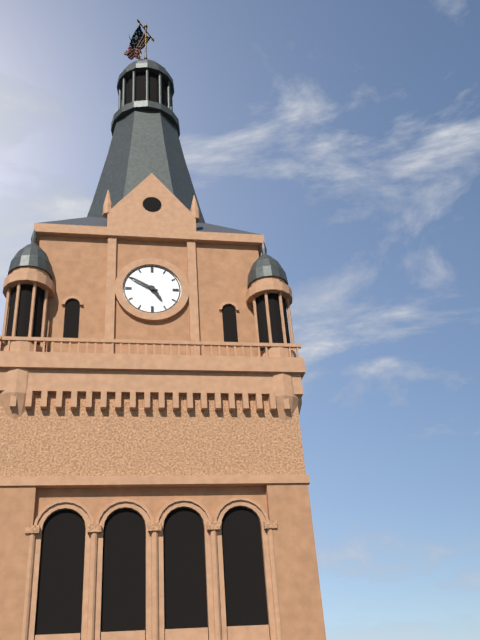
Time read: 4.50
